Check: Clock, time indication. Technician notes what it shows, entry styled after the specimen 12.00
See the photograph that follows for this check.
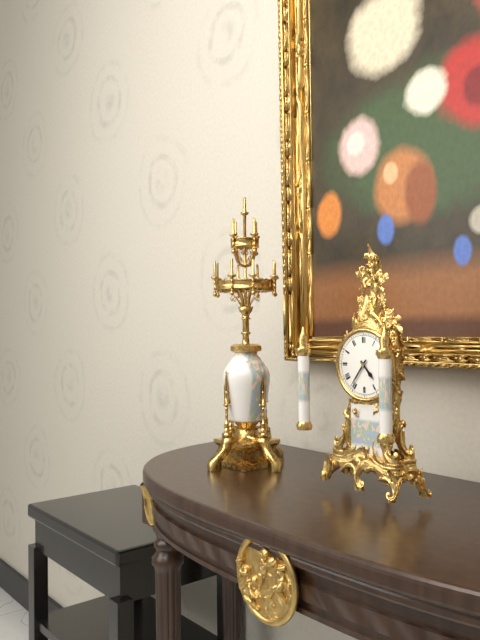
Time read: 4.36
